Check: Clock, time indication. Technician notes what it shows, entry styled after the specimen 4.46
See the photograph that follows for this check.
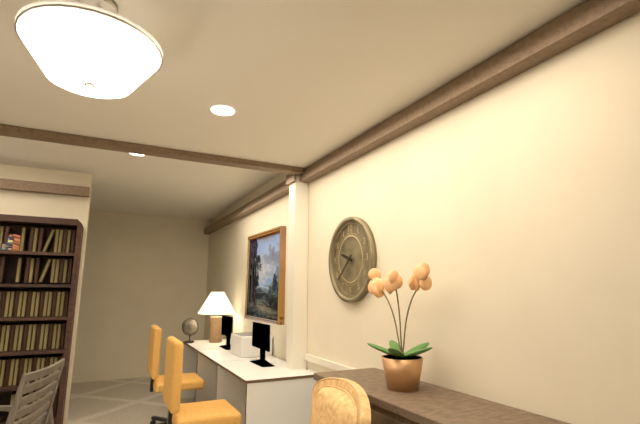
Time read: 9.38
